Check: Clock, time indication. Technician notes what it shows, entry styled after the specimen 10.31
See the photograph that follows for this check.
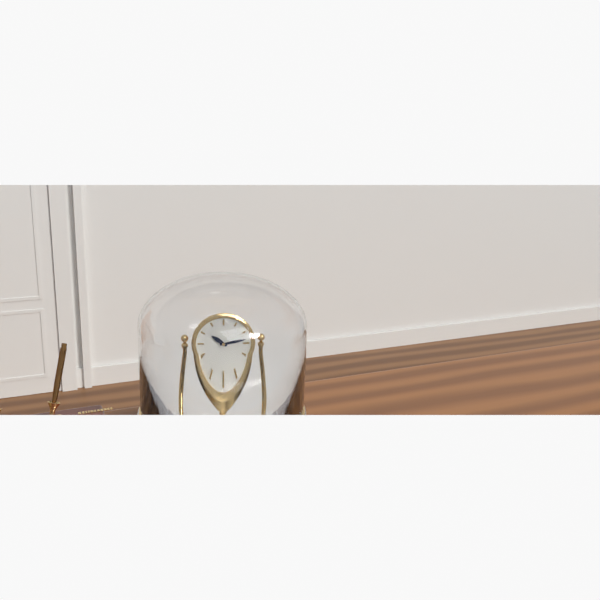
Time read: 10.13
